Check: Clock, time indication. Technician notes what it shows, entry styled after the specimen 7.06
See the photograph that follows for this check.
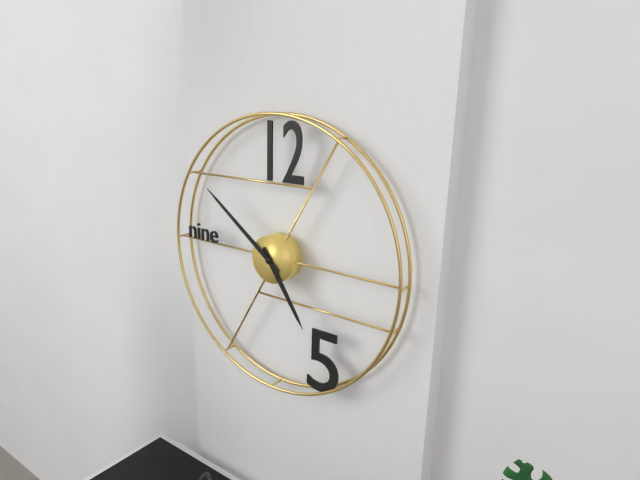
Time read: 4.51
